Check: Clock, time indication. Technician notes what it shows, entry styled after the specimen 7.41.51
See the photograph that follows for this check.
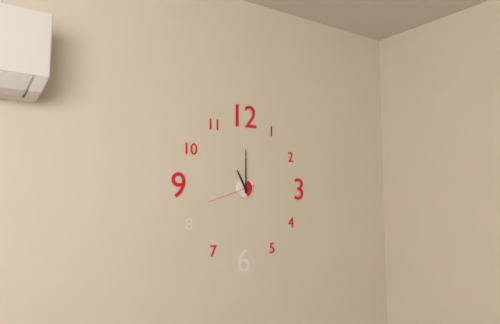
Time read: 11.00.42
